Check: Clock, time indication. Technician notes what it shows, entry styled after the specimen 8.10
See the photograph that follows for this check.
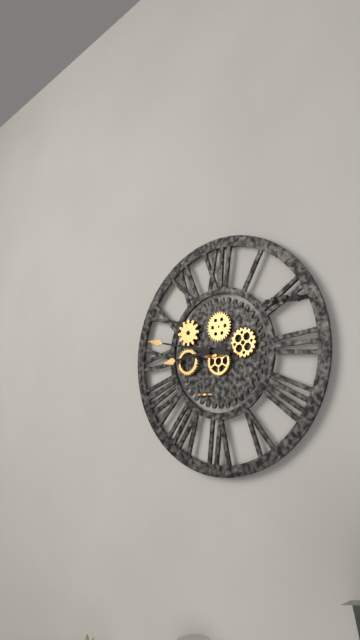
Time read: 8.47
